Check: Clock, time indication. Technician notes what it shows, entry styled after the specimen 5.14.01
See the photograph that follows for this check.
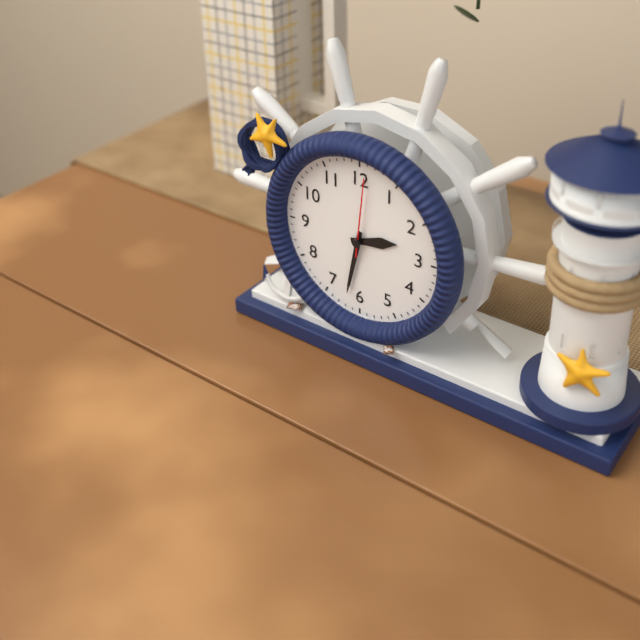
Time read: 2.32.01
